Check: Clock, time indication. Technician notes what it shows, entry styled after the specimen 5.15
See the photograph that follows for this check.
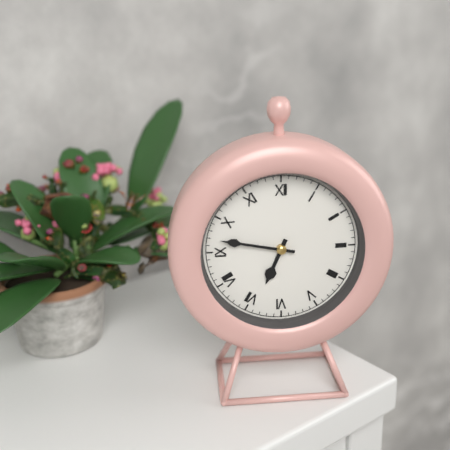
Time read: 6.47
